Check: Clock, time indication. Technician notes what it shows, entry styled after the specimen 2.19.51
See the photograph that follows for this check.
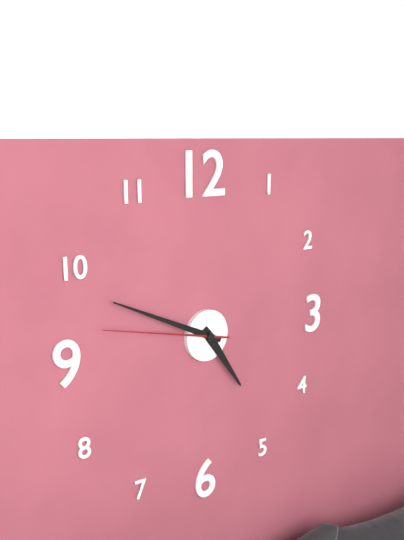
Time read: 4.49.47
